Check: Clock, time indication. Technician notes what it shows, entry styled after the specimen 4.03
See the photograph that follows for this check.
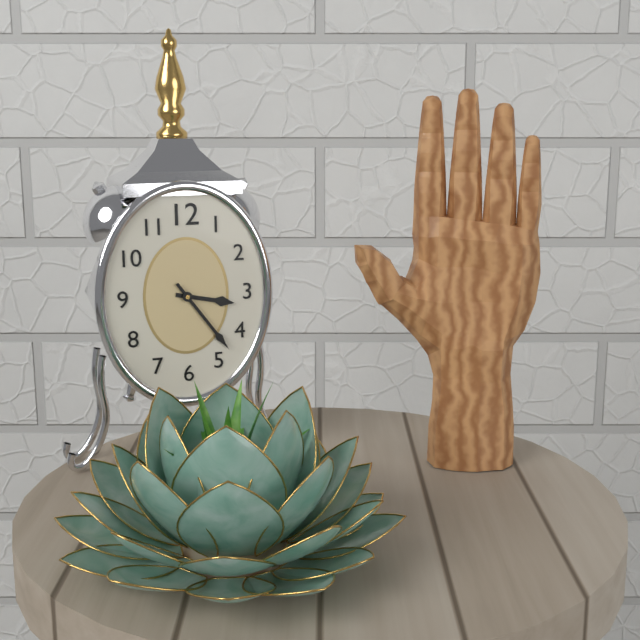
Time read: 3.24
